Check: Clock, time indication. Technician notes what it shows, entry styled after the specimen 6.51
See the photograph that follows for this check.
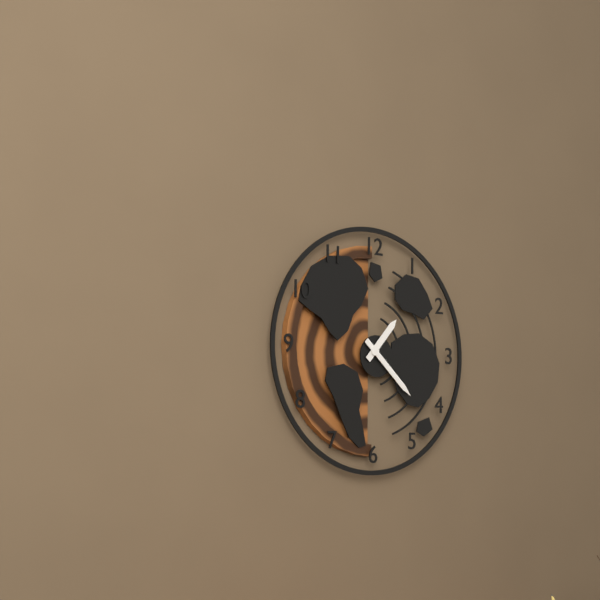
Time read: 1.22
